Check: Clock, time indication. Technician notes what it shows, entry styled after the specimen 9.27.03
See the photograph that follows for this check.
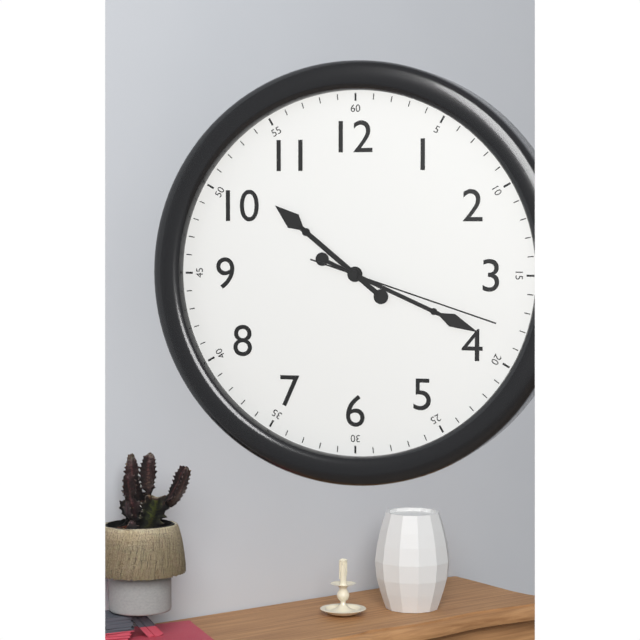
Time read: 10.19.18
